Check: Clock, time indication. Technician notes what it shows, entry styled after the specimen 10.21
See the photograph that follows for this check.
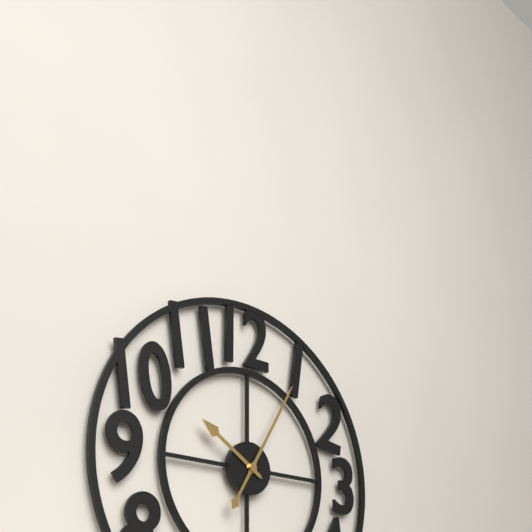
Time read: 10.05
